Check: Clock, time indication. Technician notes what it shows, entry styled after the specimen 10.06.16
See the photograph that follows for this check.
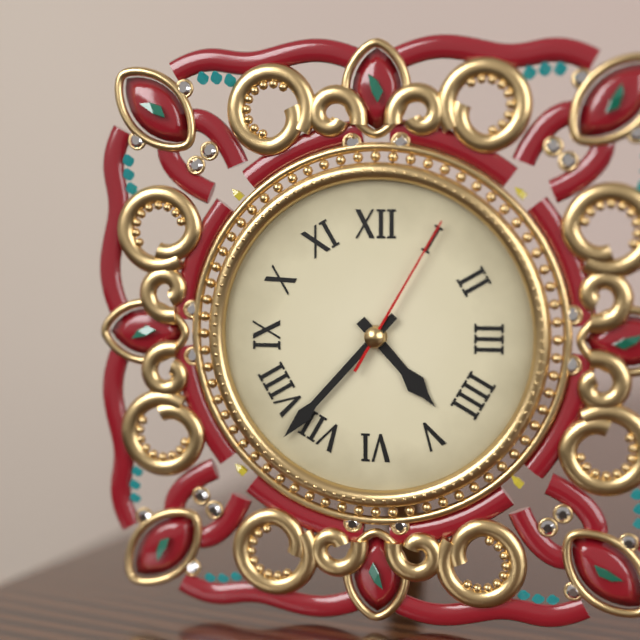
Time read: 4.37.05
